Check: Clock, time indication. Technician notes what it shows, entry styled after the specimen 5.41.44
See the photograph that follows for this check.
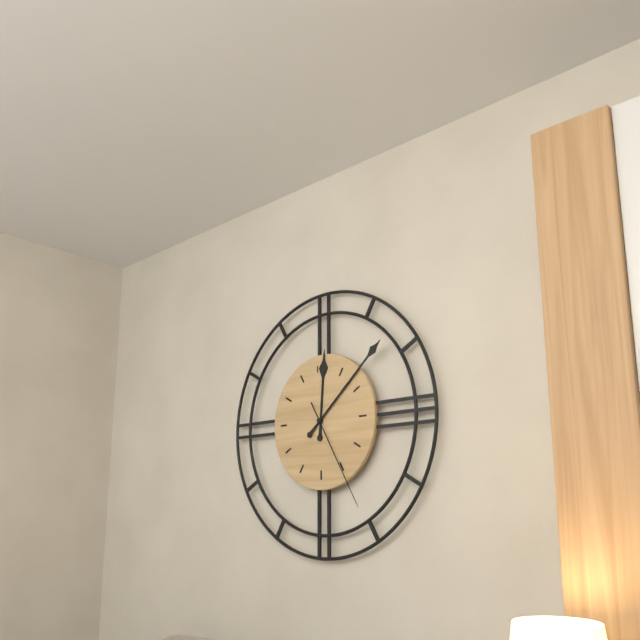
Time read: 12.08.25
